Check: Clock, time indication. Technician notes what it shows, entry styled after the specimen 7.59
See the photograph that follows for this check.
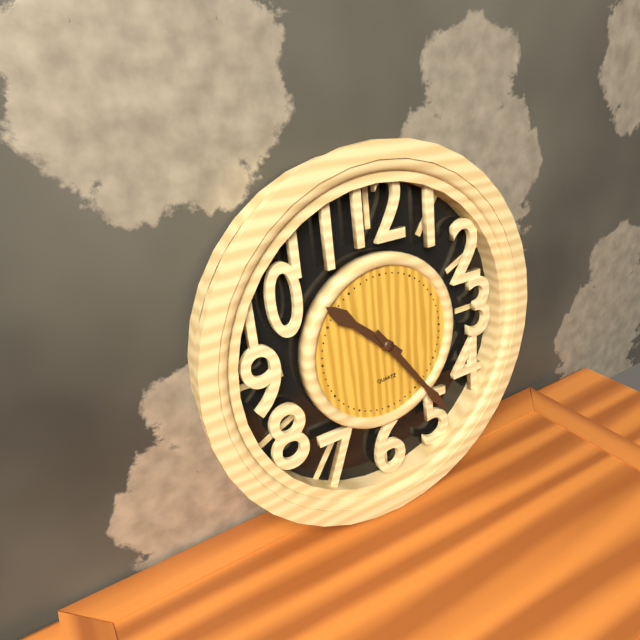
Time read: 10.24
